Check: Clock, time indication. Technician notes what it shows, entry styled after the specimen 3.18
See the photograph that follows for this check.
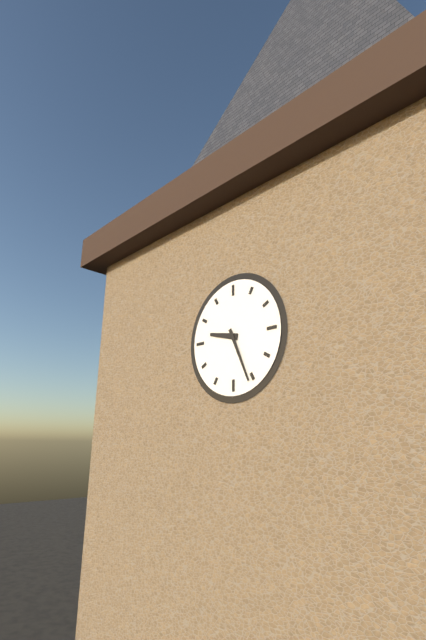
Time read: 9.26
